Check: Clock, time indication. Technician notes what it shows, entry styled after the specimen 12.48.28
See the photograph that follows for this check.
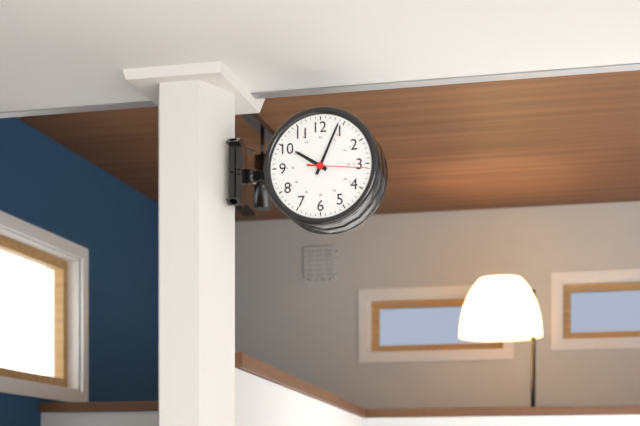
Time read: 10.04.16
